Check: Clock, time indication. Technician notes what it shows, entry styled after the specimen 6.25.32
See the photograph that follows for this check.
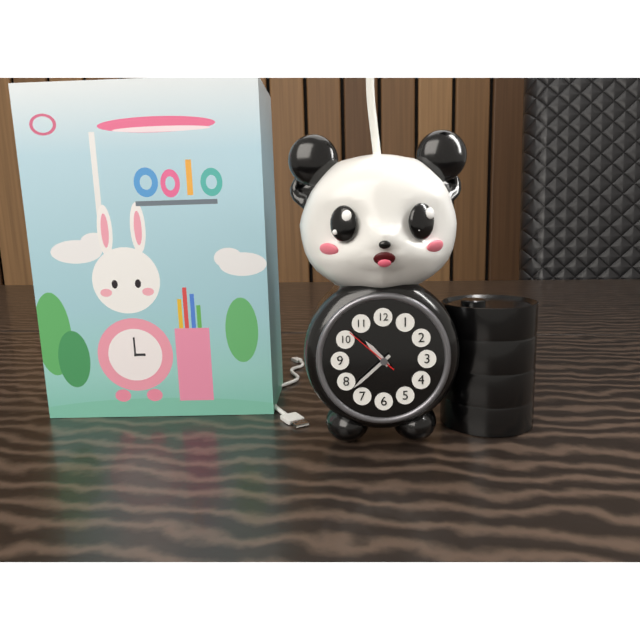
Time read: 10.38.52
